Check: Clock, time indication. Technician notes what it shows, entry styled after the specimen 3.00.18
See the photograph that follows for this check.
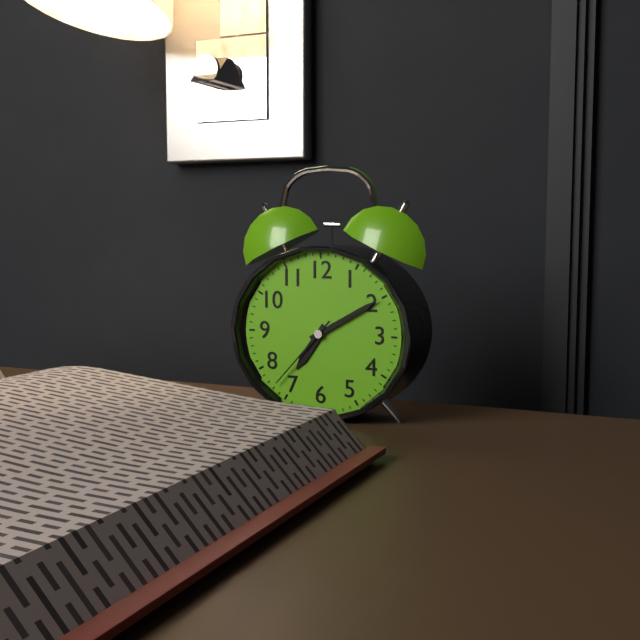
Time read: 7.10.37
